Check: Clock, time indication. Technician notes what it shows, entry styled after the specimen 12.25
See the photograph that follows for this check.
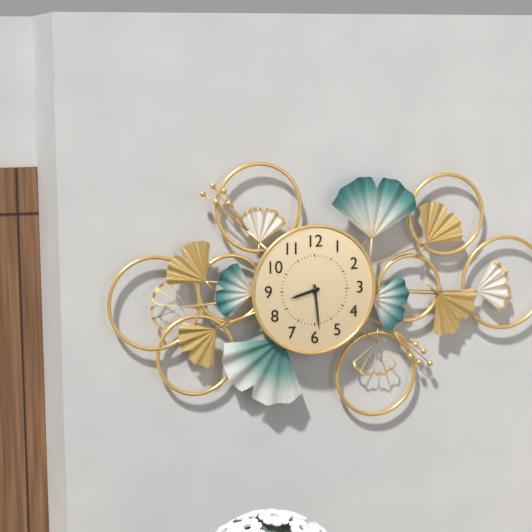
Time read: 8.29
